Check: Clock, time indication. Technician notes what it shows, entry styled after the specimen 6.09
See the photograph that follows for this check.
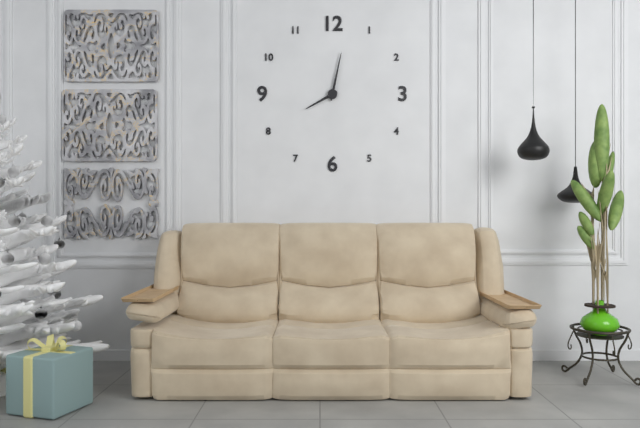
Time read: 8.02
